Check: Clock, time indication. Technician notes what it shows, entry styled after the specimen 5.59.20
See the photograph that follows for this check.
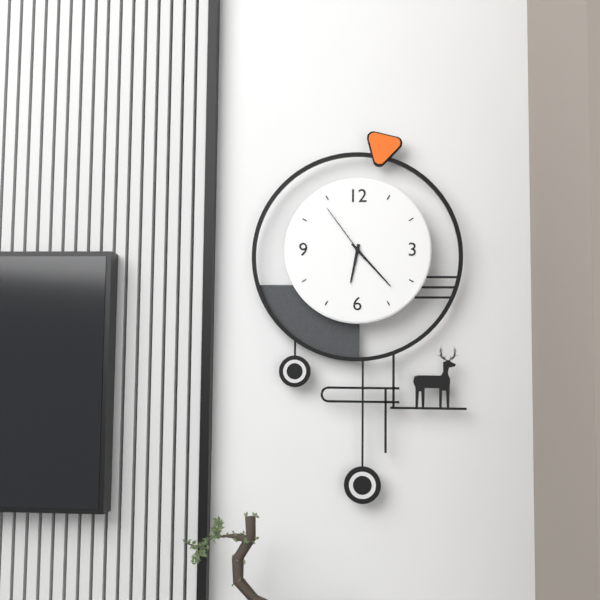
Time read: 6.23.54
